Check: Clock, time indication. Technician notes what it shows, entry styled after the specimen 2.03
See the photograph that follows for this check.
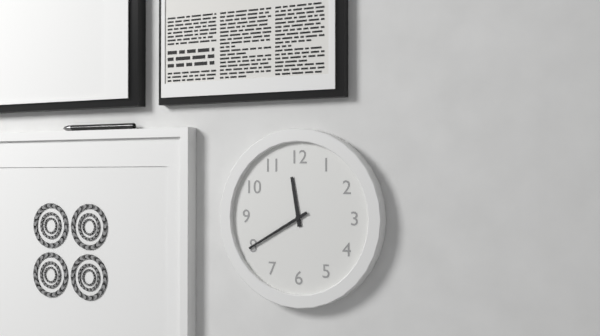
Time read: 11.40
